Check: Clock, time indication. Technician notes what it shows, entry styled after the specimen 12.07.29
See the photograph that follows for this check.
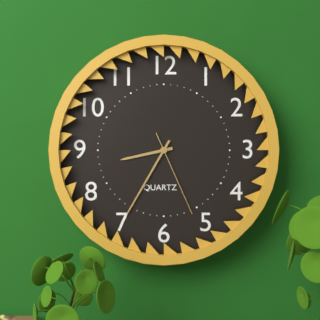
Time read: 8.35.26
